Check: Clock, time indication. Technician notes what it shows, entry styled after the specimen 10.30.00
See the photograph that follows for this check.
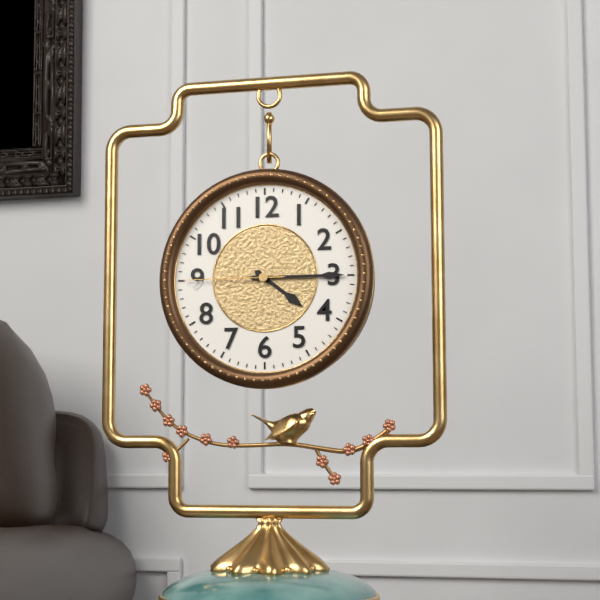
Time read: 4.15.45
